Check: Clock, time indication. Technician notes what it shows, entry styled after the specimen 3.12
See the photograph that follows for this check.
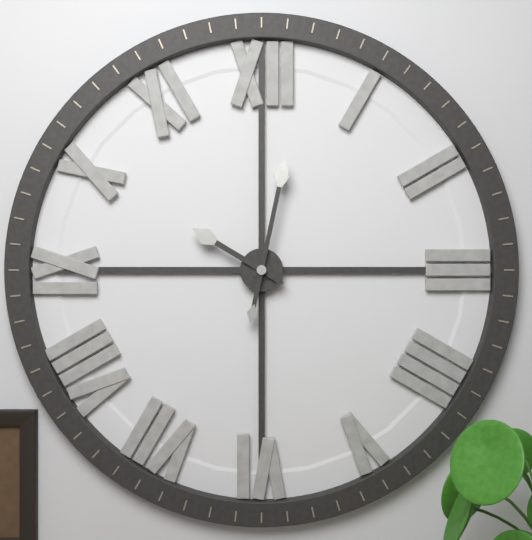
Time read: 10.02
